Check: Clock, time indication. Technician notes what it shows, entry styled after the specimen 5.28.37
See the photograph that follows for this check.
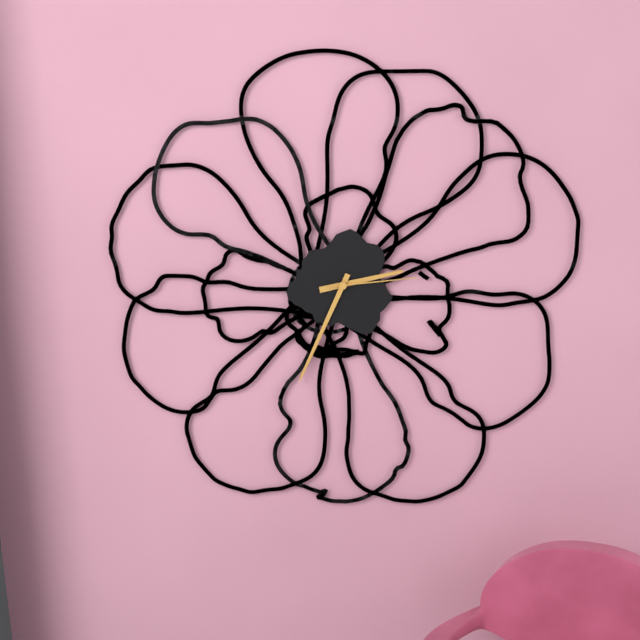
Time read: 2.34.14
